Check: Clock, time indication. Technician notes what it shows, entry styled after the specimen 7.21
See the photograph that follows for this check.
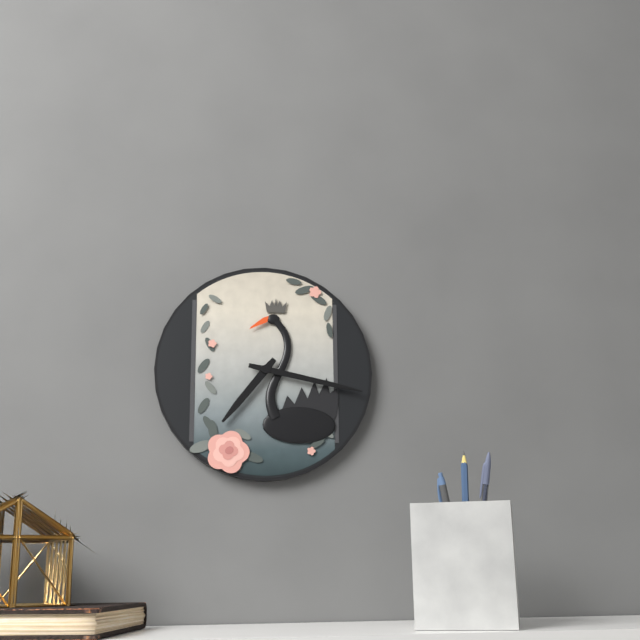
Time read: 7.17
